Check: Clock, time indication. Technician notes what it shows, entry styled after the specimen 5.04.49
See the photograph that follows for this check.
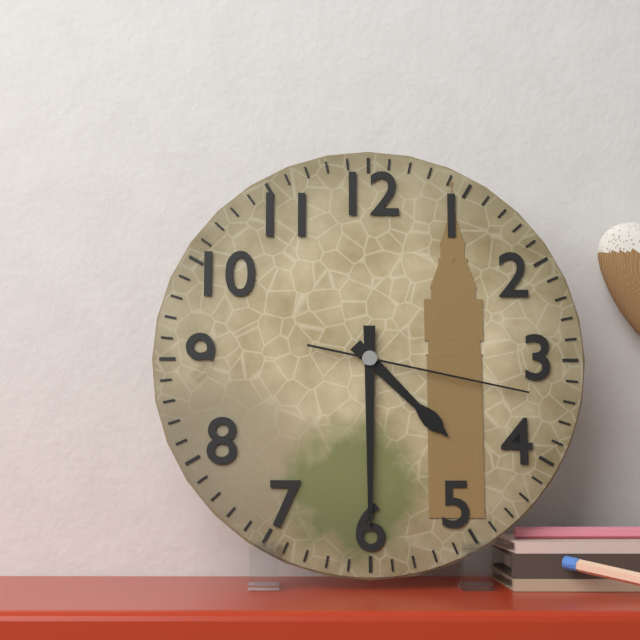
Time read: 4.30.17
